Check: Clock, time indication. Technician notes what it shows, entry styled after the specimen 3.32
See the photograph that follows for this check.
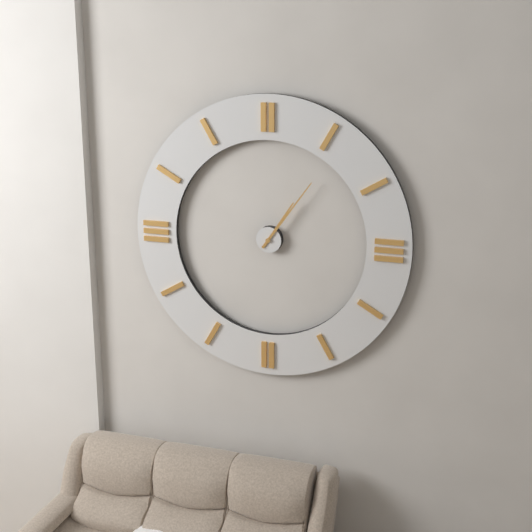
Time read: 1.06
